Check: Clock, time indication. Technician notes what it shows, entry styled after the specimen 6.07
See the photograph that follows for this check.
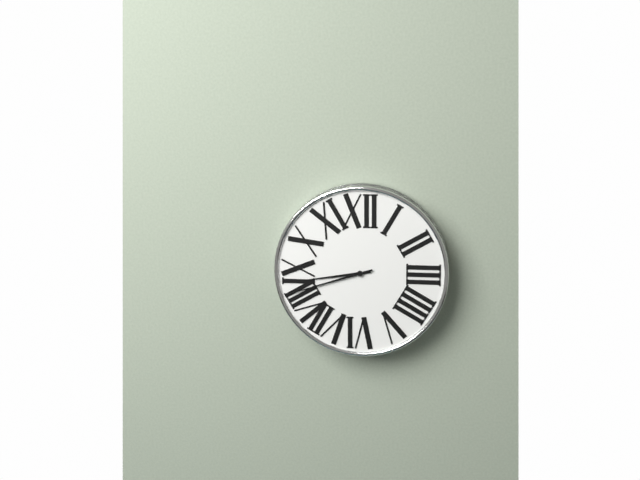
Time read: 8.42
